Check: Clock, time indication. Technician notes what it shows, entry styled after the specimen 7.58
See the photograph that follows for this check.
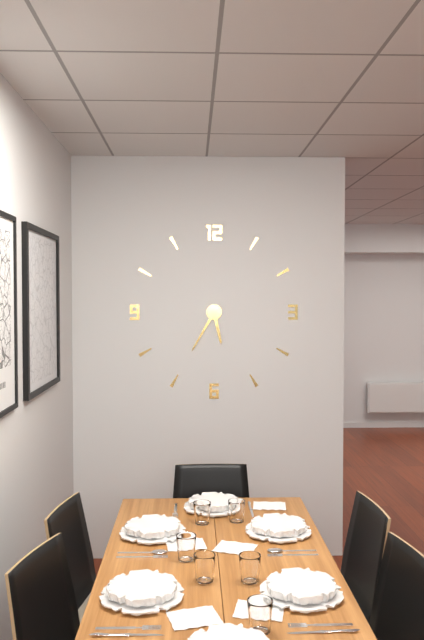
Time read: 5.35
